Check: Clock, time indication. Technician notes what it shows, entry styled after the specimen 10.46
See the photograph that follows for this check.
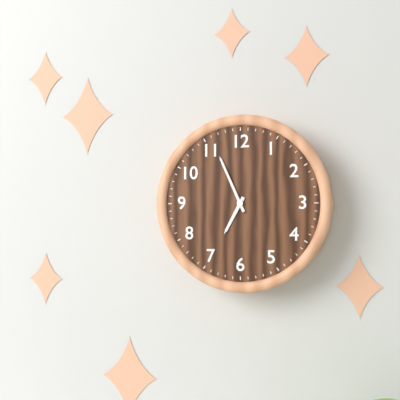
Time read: 6.56
